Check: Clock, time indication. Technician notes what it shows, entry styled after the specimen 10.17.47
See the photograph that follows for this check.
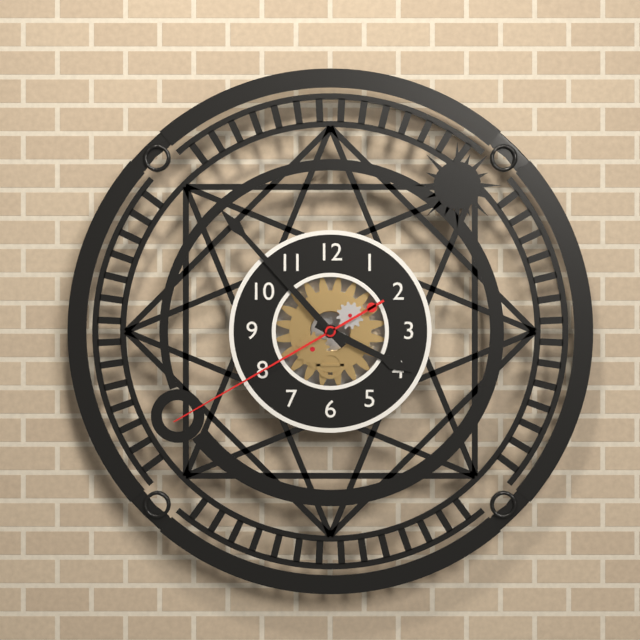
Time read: 3.53.40
